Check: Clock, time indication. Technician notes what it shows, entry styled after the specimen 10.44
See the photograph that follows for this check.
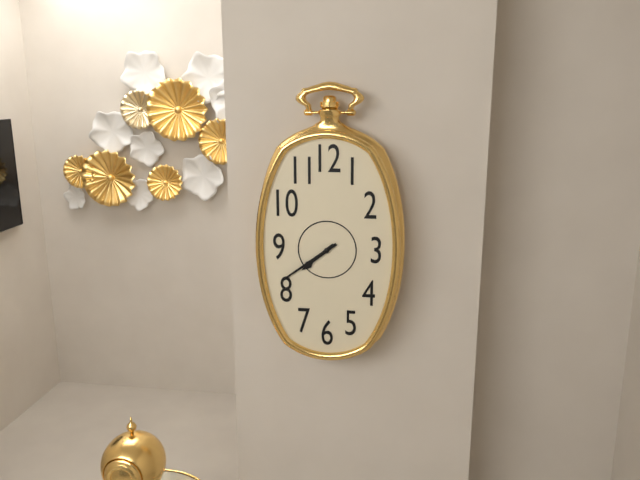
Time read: 7.39
